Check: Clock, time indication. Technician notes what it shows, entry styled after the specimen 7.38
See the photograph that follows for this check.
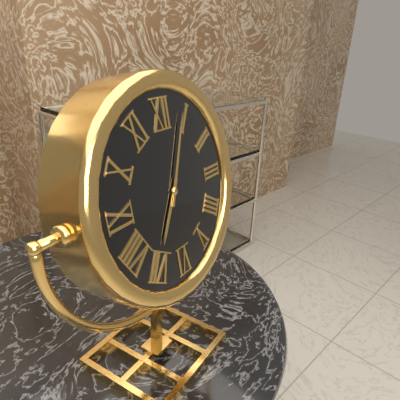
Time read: 7.04
